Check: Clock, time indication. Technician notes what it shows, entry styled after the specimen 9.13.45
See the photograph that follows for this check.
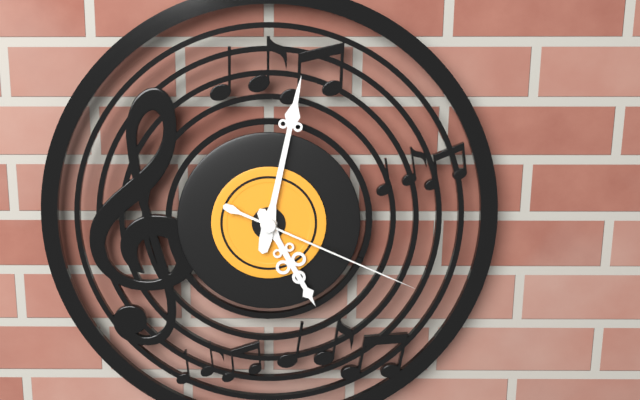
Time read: 5.02.19
